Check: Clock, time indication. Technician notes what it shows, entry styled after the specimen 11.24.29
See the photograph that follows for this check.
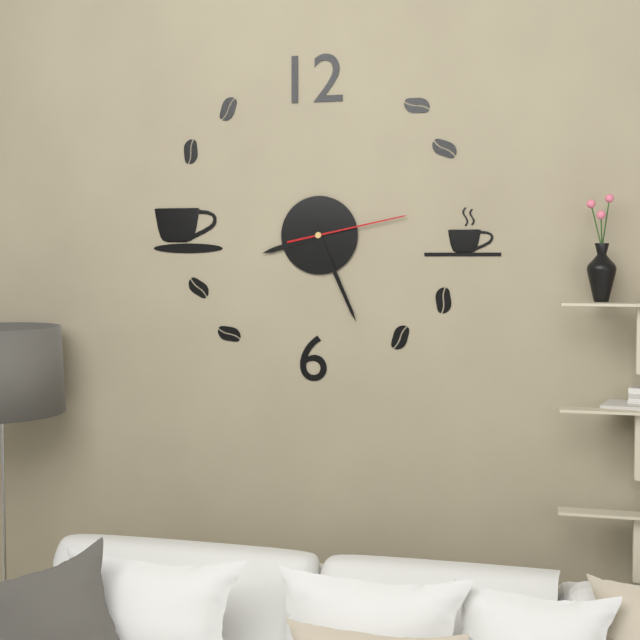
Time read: 8.26.13
